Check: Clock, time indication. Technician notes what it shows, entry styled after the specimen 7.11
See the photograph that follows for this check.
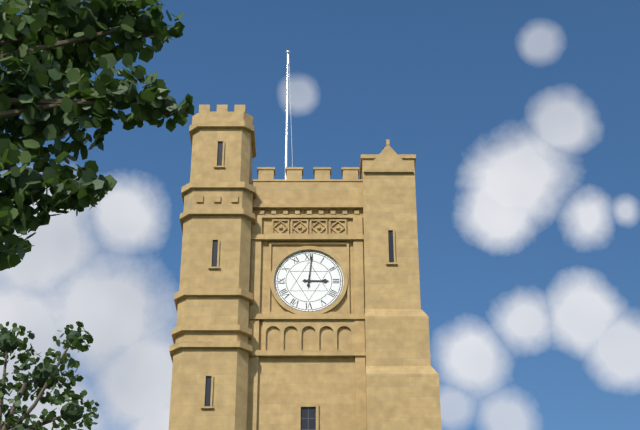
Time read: 3.01
